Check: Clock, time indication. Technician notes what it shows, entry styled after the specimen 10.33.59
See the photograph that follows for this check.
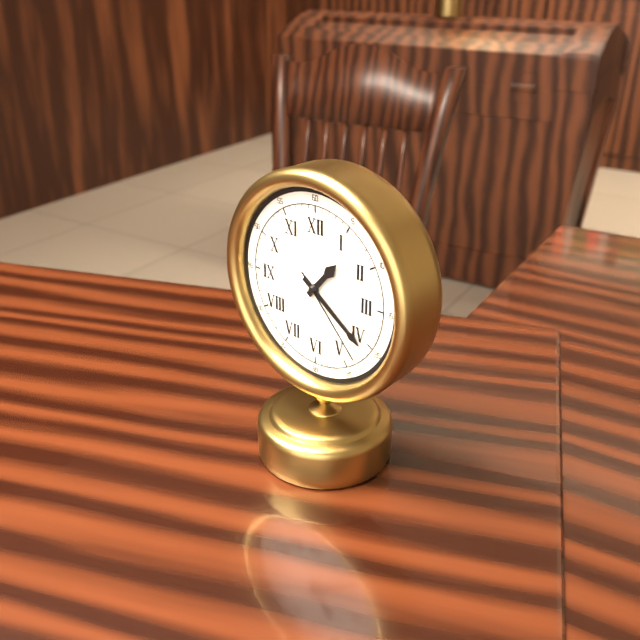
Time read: 1.21.23
